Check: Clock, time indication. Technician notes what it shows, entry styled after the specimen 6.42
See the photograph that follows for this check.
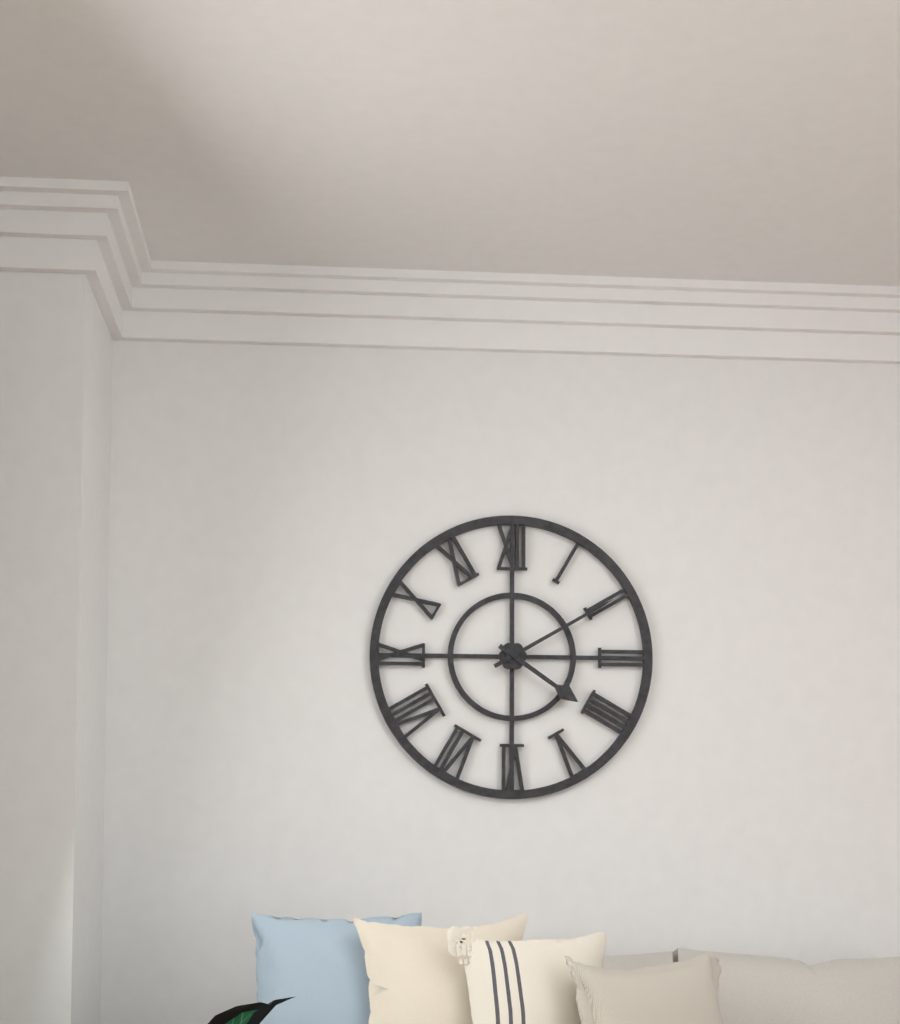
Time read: 4.10
